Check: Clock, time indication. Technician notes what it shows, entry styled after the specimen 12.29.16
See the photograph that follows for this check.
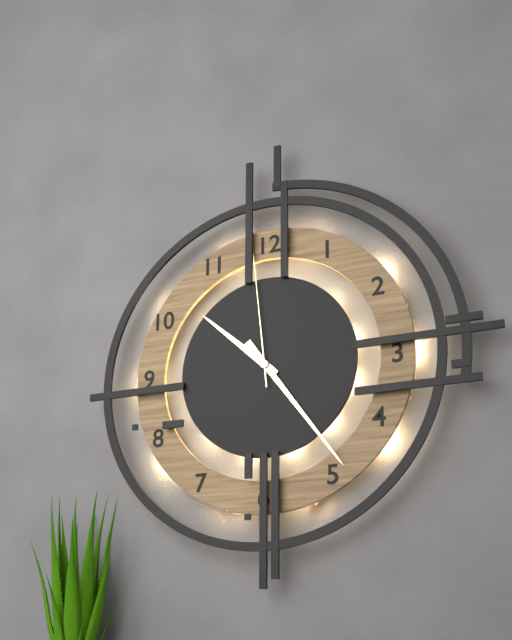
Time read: 10.24.59
